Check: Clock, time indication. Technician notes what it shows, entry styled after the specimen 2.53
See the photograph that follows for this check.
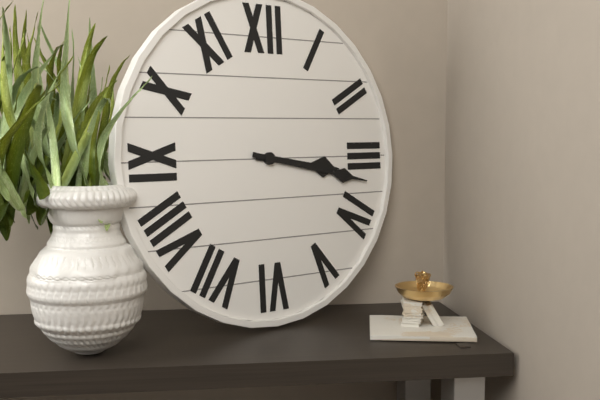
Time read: 3.17
